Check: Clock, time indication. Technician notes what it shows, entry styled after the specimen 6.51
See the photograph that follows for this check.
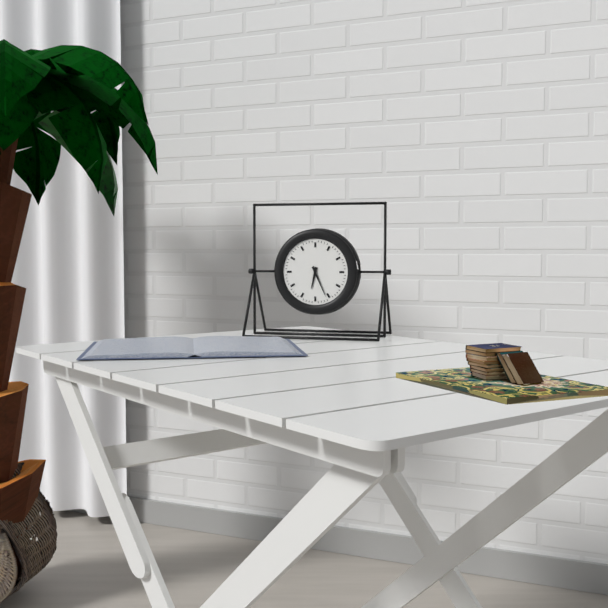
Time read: 6.26
